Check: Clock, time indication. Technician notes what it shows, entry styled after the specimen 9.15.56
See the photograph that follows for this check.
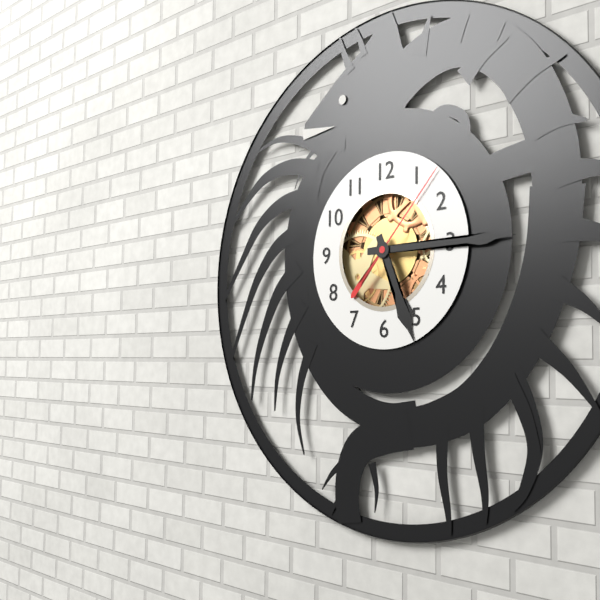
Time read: 5.15.07
